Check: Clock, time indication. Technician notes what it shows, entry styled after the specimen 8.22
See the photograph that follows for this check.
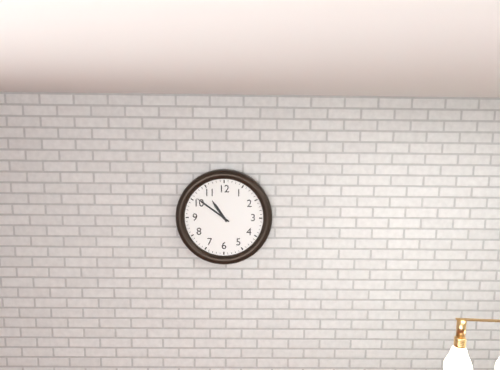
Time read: 10.51
